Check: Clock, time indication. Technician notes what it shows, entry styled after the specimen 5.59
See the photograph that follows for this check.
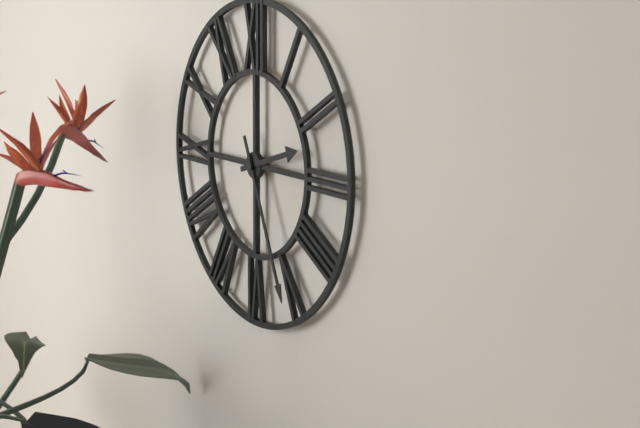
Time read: 2.26
